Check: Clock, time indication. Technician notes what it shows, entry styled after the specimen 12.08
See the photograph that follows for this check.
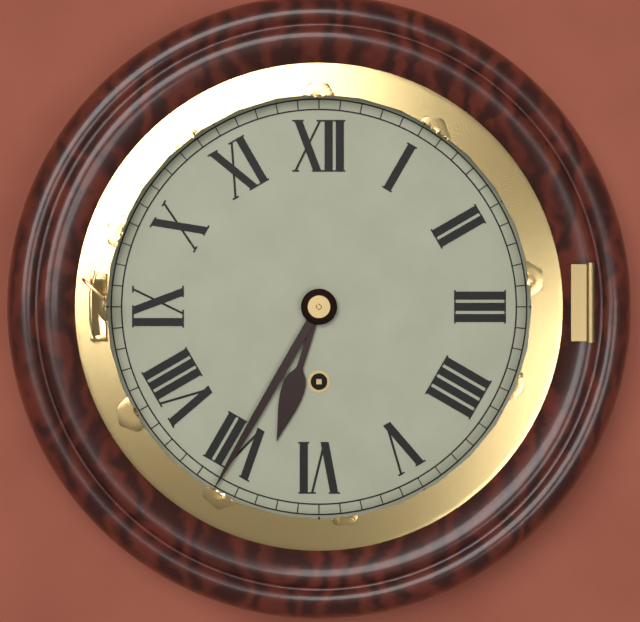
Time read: 6.35
